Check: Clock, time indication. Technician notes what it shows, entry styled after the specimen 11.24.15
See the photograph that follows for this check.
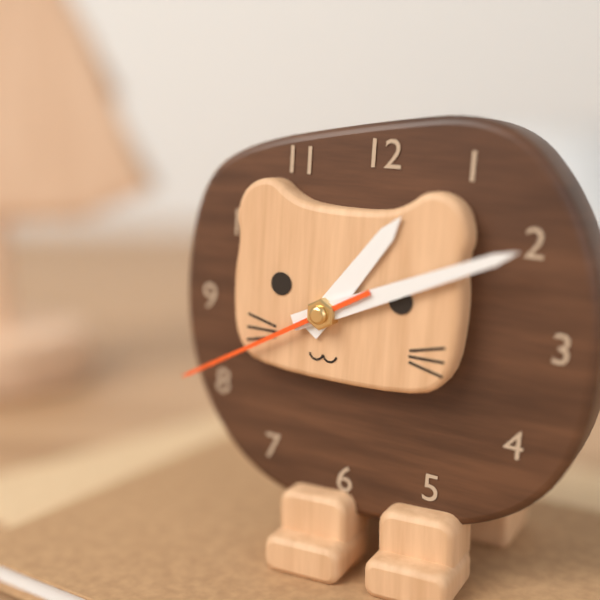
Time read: 1.11.40
